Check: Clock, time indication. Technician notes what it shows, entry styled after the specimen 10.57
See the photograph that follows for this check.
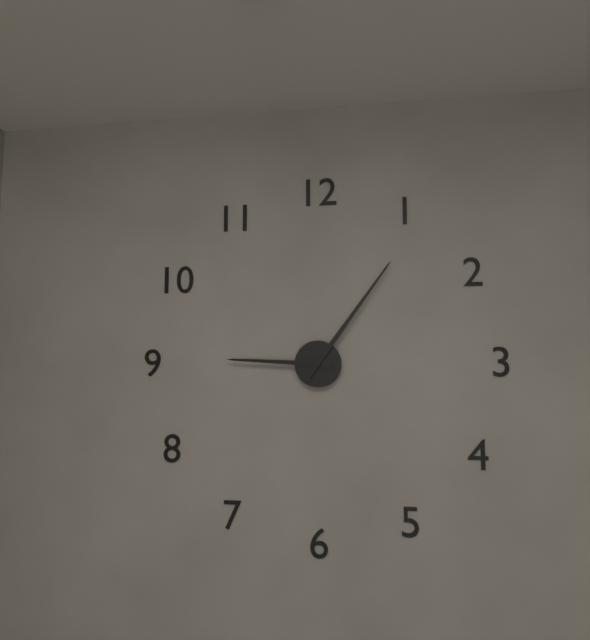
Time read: 9.06
